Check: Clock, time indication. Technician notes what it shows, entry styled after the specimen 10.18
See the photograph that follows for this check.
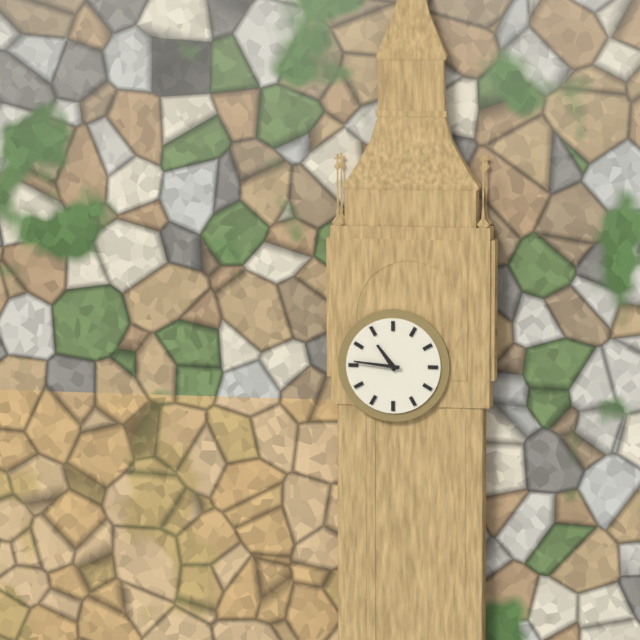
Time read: 10.46
